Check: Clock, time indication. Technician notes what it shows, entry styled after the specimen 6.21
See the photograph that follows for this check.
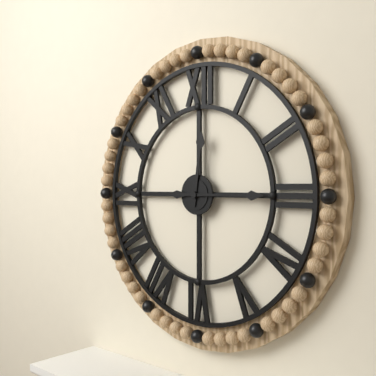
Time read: 12.15
